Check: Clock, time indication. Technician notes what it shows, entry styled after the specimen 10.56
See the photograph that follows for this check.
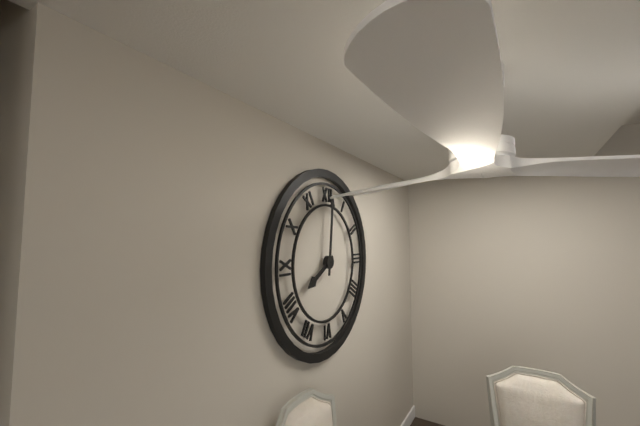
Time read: 8.01
